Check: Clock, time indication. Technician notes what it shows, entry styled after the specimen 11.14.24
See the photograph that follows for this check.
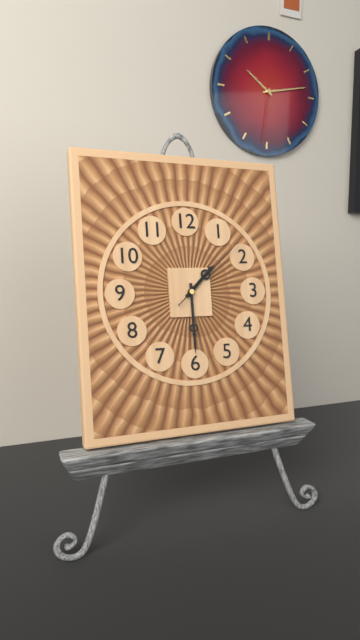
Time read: 1.30.08
